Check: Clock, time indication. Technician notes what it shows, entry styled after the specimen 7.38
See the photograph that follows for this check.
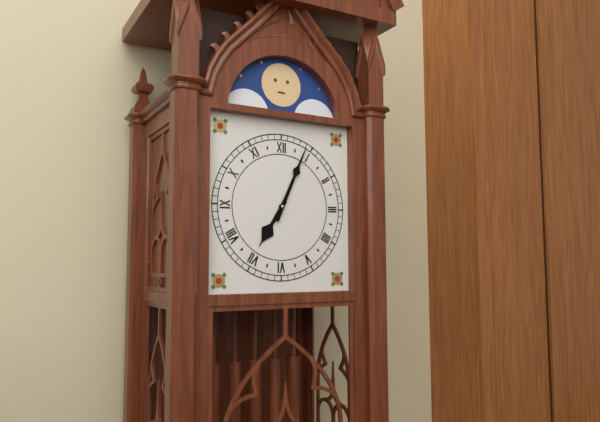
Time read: 7.04
